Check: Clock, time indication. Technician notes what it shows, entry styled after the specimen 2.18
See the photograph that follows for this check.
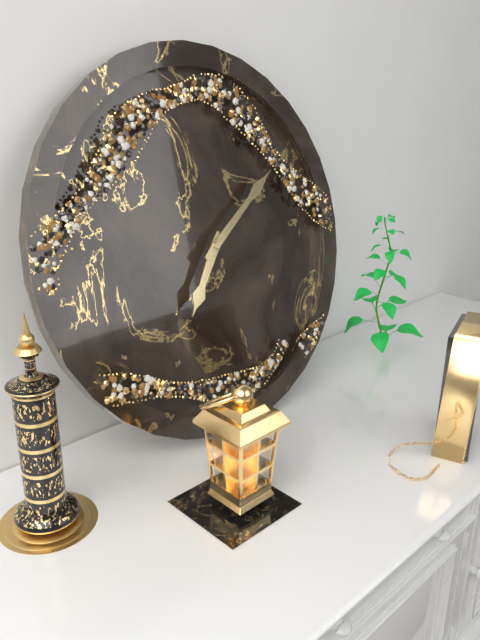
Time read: 7.09
